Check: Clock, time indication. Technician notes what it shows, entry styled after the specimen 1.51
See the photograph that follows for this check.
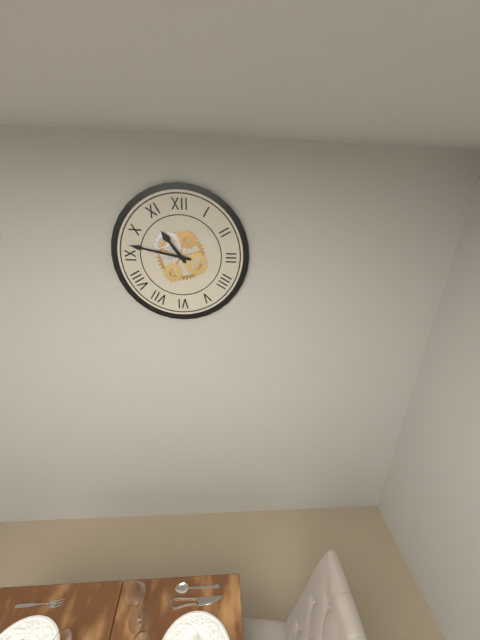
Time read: 10.47
